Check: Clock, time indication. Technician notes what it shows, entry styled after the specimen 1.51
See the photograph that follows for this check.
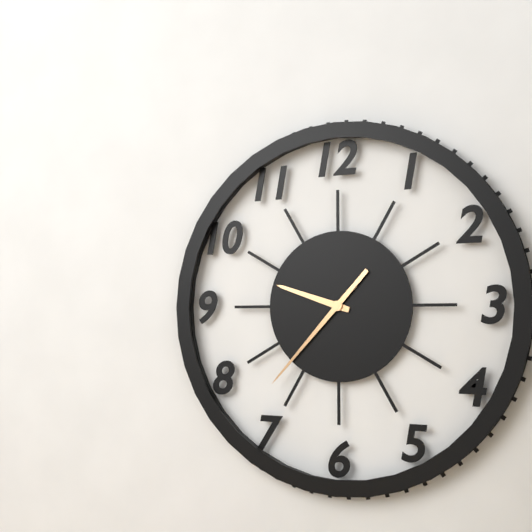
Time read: 9.37
